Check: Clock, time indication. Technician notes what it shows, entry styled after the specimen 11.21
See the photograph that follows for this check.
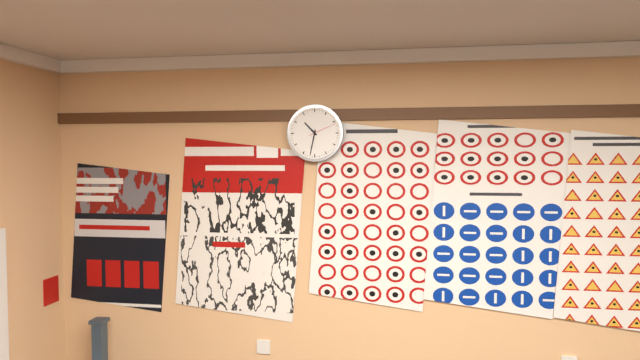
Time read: 10.32
